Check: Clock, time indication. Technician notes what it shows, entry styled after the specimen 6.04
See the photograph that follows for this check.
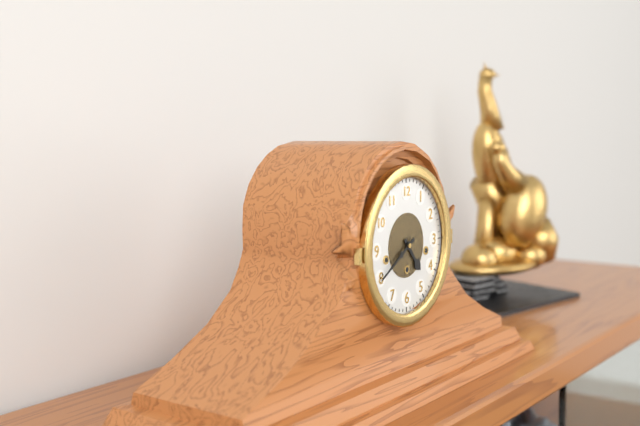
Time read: 4.40
